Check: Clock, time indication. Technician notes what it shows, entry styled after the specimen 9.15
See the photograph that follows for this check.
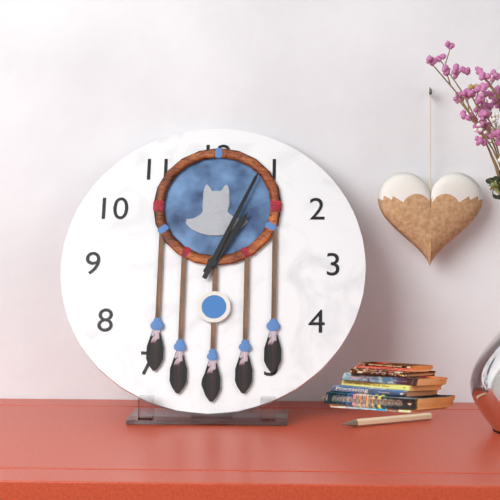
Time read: 1.04
